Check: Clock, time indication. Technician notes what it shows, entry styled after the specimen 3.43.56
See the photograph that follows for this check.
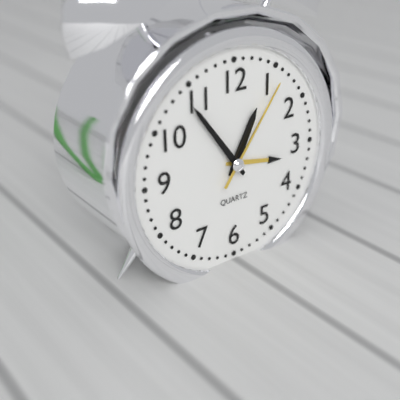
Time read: 12.54.06
